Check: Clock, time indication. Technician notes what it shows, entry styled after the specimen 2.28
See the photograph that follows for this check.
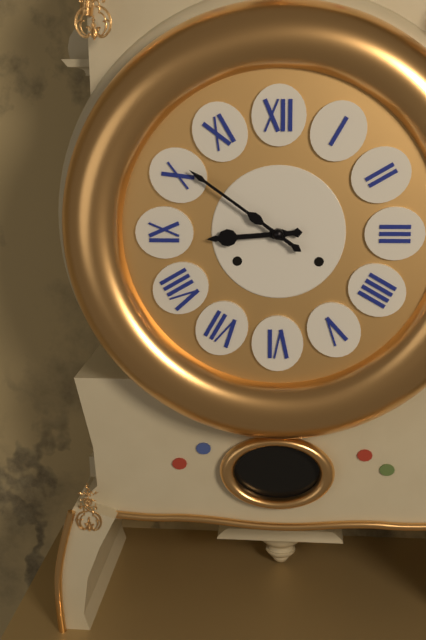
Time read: 8.51
